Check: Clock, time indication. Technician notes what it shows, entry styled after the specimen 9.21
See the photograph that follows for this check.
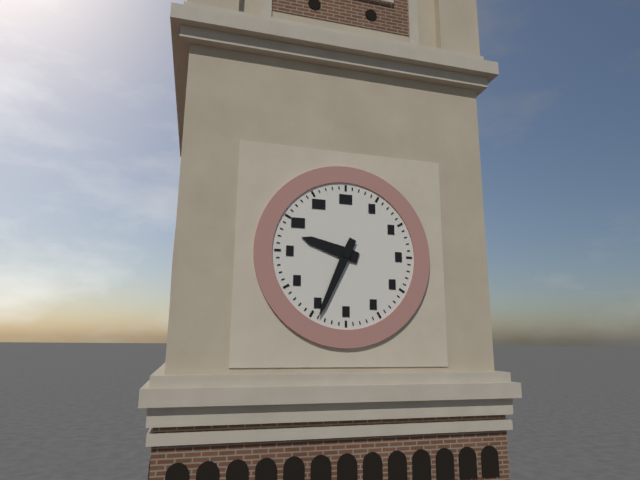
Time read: 9.34
